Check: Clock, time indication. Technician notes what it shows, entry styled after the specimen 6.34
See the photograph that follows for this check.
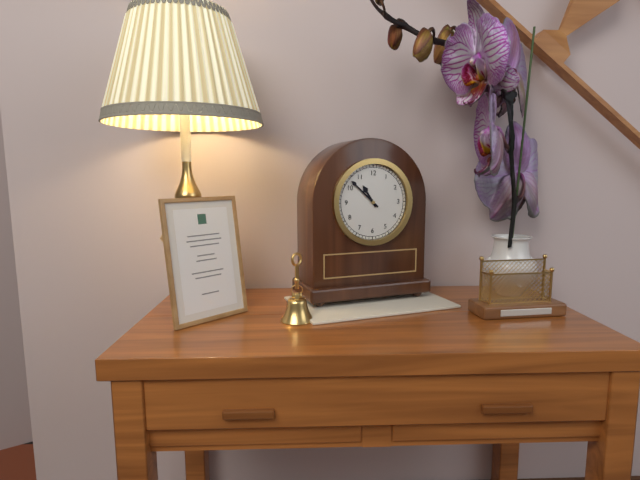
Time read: 10.52
